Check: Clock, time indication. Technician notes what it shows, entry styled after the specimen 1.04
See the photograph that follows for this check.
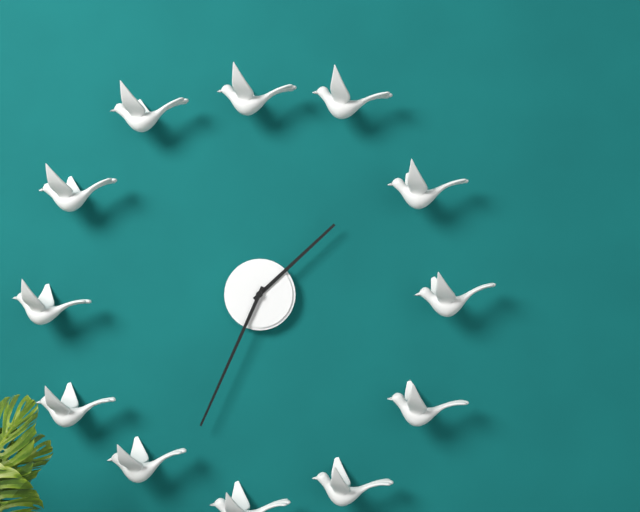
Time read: 1.34
